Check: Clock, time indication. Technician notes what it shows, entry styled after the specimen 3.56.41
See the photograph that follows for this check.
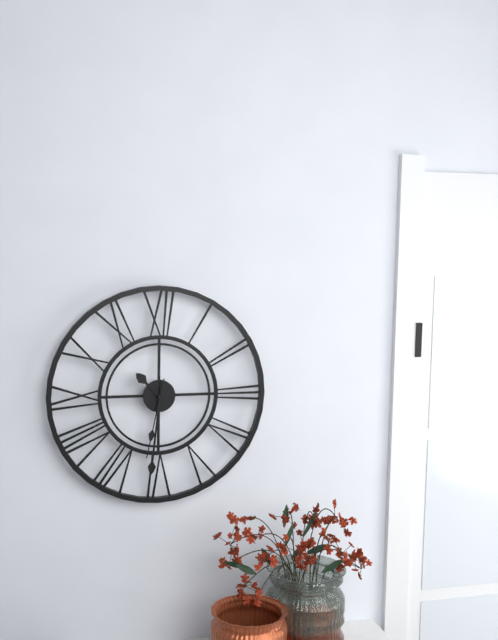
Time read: 10.31.32
